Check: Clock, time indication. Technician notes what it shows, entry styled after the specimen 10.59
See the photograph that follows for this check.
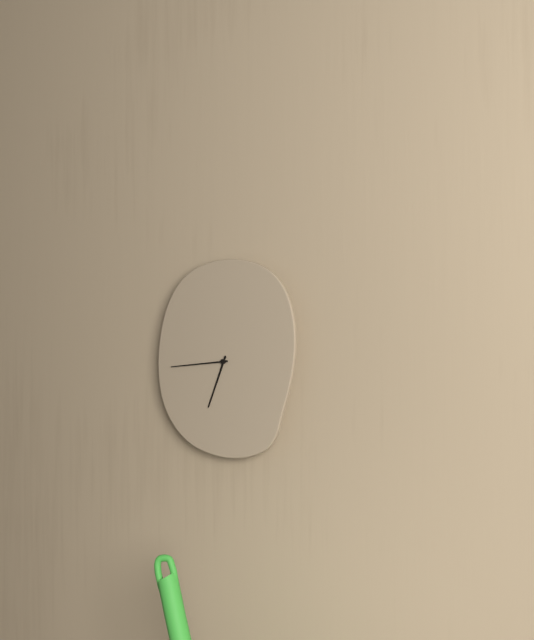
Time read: 6.44
